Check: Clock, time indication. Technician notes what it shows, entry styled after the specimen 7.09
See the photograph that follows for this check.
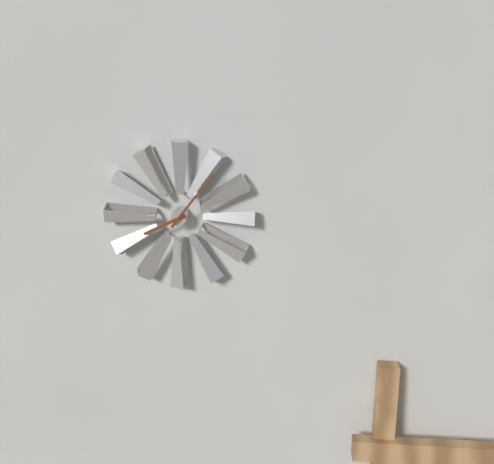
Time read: 8.06
